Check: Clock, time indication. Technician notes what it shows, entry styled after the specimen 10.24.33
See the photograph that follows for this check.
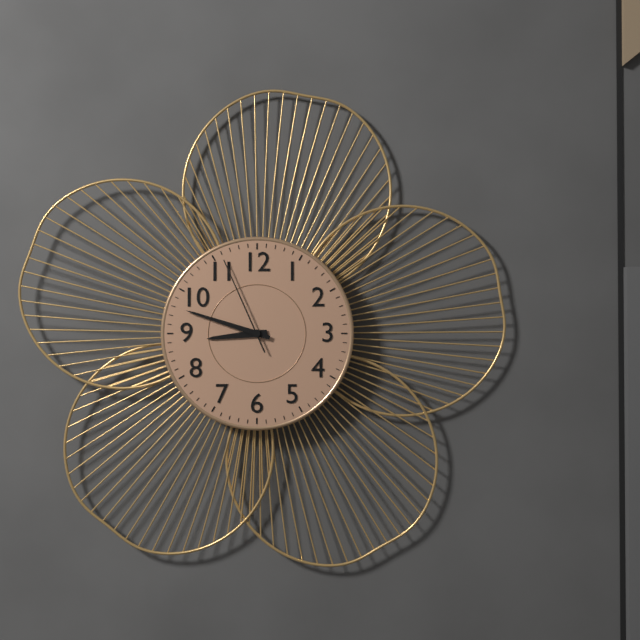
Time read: 8.48.56
